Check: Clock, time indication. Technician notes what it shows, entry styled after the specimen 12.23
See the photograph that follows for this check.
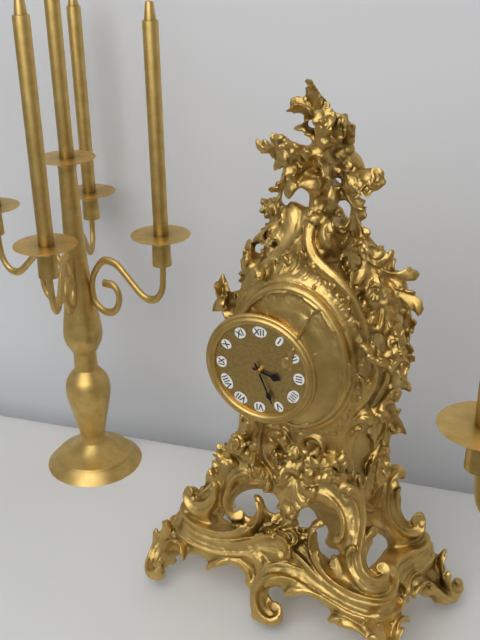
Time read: 3.26
